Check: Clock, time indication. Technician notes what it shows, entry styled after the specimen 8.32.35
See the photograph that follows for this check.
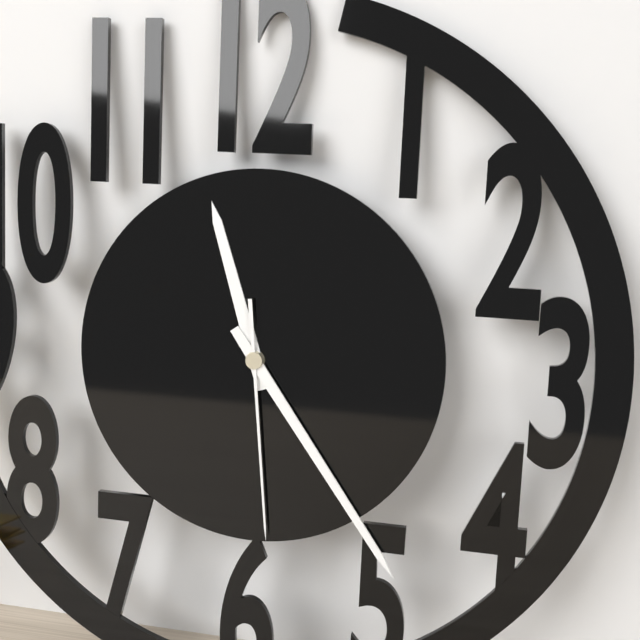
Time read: 11.24.29
